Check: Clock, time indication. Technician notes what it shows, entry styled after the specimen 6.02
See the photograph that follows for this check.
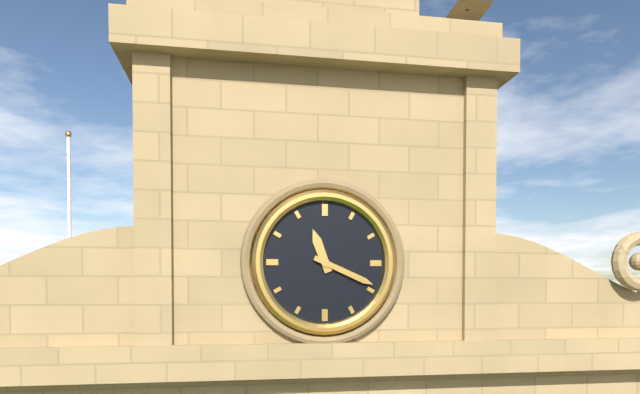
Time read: 11.19
